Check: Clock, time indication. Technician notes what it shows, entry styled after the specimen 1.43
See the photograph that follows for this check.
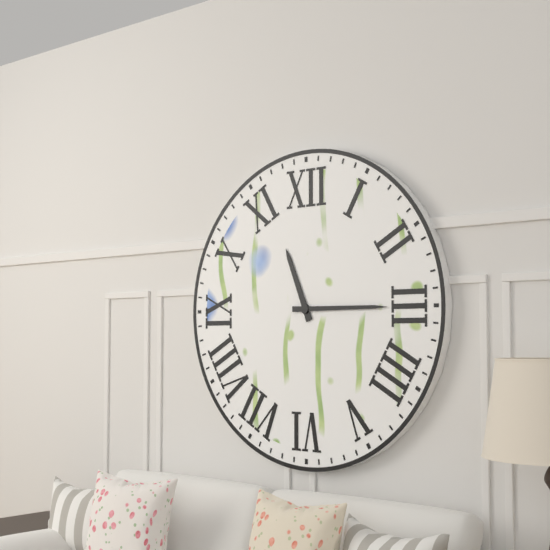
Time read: 11.15
